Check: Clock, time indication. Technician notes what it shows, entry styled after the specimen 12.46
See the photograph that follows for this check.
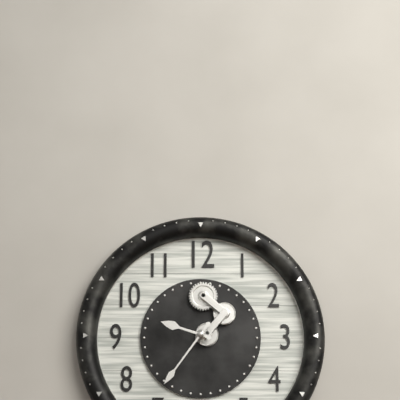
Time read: 9.36
